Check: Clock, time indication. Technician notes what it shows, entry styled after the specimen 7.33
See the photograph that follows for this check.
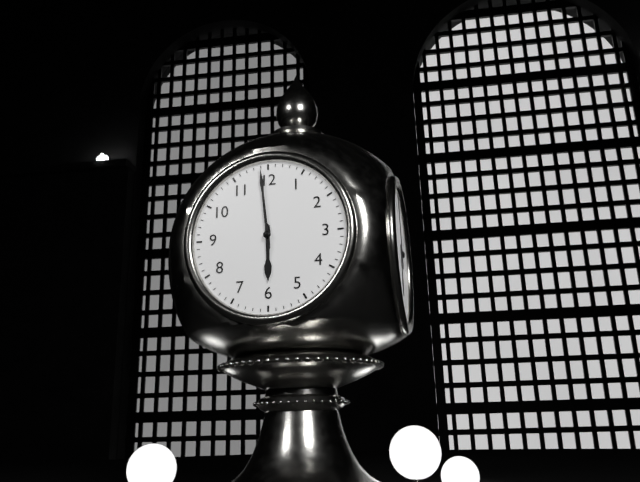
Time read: 5.59
